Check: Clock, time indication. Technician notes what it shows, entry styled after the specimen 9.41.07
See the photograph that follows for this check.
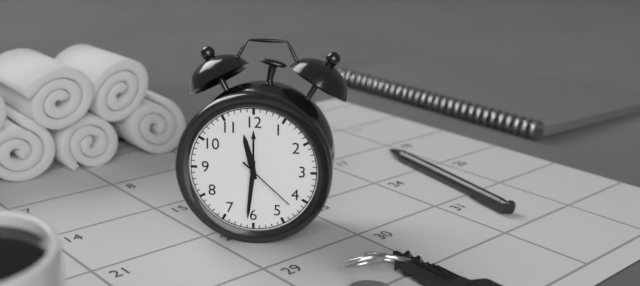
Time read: 11.31.22
